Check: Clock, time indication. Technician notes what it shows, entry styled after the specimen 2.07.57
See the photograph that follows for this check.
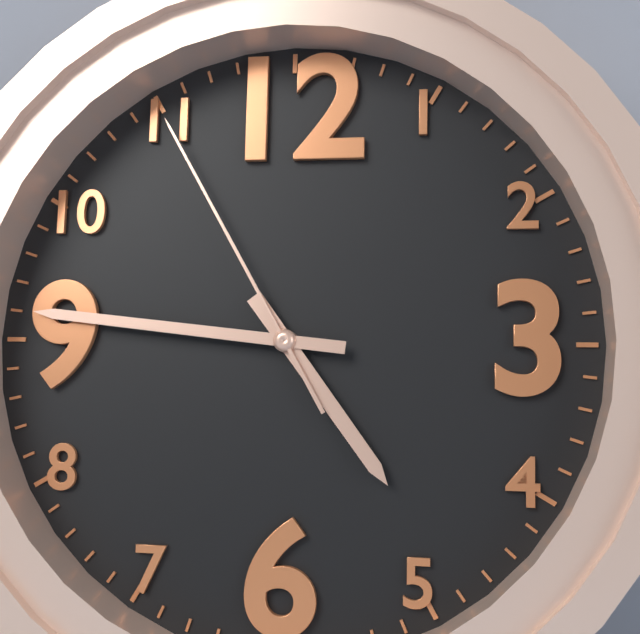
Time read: 4.46.55
